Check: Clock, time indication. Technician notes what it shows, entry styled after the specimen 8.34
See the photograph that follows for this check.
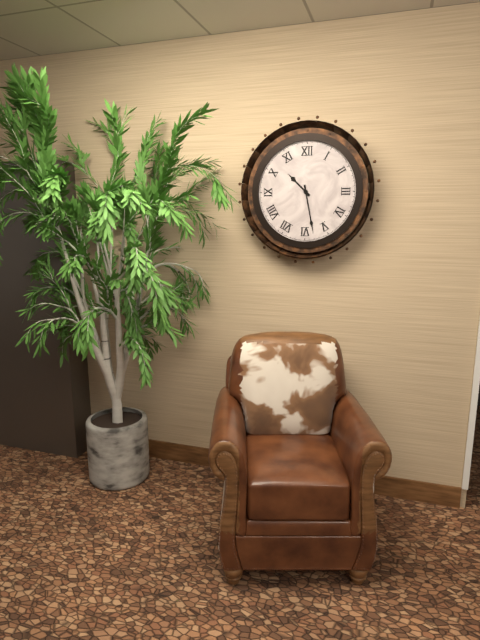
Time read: 10.28
